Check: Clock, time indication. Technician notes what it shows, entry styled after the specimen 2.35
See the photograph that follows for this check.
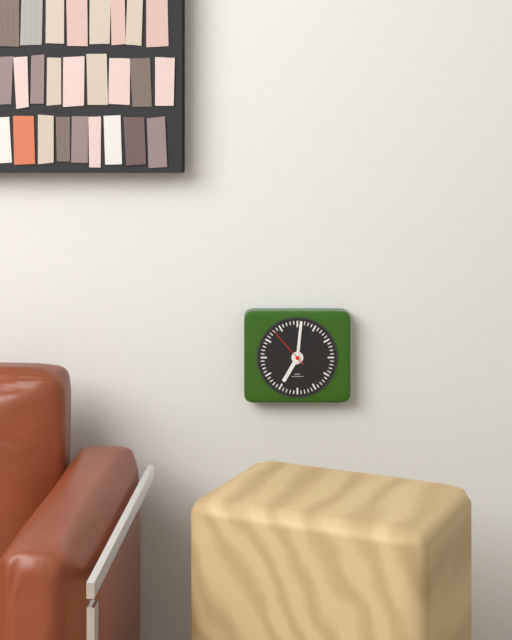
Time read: 7.01
